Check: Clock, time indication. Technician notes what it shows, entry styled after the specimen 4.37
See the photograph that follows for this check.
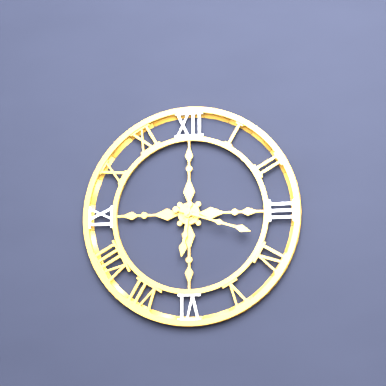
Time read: 6.18
